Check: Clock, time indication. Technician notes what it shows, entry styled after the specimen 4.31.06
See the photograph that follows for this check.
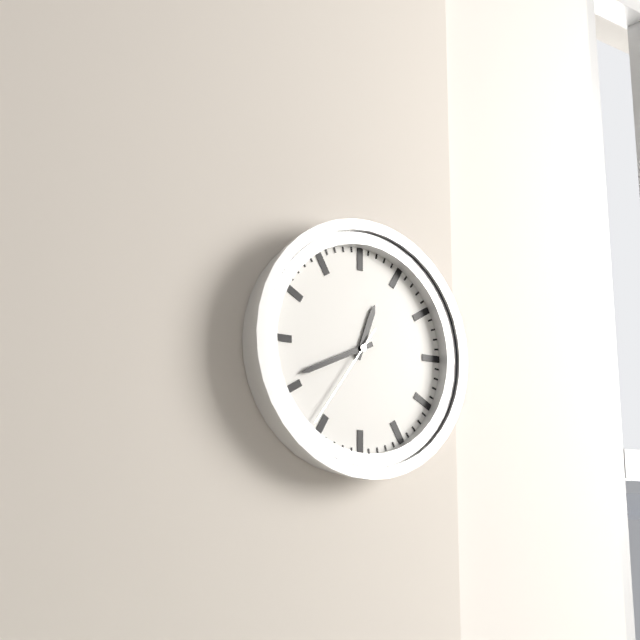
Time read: 12.41.36
